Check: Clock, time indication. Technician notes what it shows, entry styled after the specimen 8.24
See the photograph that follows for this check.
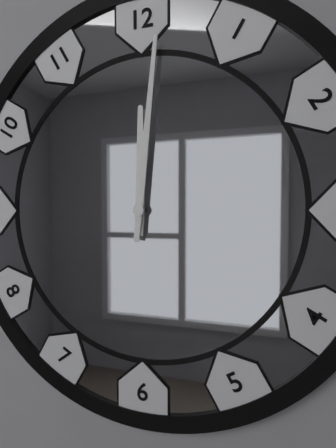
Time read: 12.01
